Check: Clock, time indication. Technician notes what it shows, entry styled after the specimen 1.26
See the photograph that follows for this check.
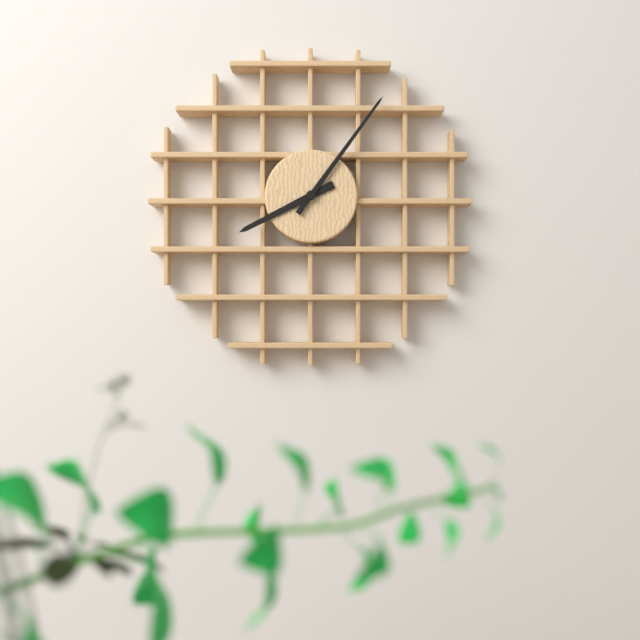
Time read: 8.06
